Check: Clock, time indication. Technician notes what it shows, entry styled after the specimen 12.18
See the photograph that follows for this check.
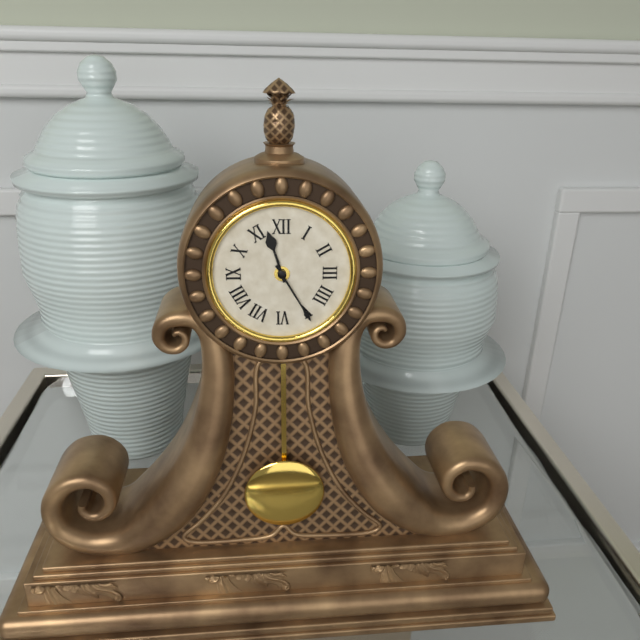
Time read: 11.25
